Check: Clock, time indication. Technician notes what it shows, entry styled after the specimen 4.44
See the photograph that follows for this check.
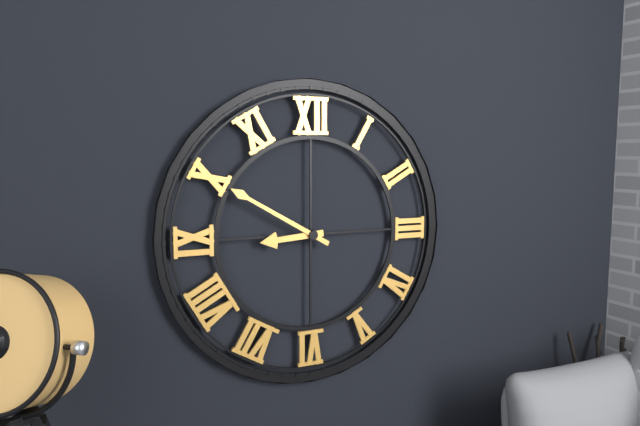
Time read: 8.50
